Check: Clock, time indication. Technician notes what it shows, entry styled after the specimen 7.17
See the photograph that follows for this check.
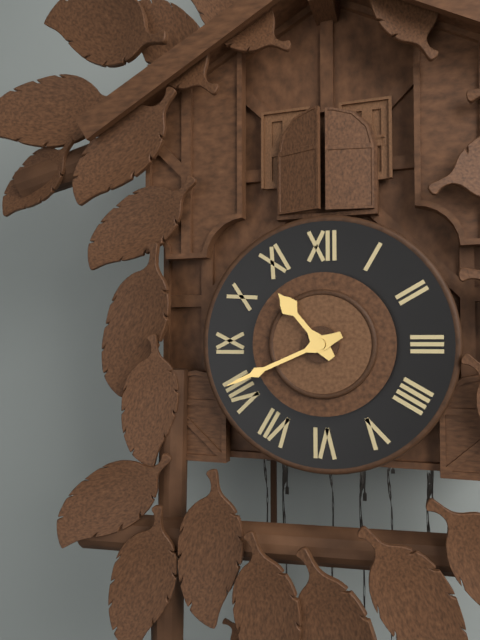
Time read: 10.41
